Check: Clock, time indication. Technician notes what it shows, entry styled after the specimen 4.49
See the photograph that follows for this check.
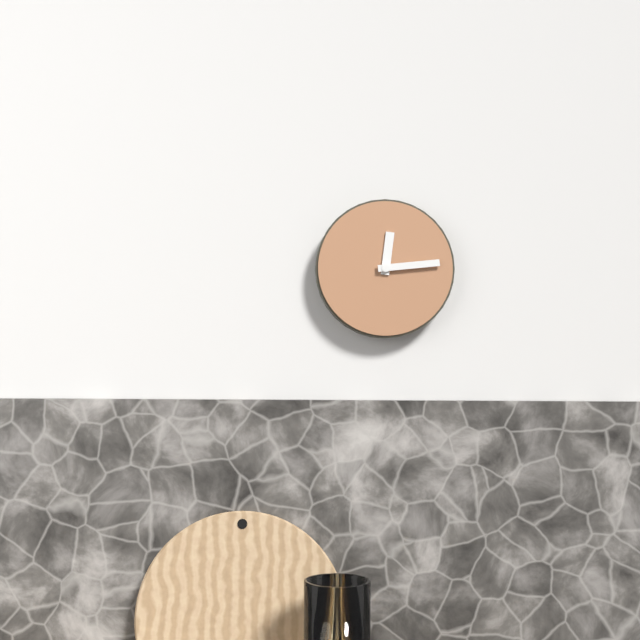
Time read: 12.14
